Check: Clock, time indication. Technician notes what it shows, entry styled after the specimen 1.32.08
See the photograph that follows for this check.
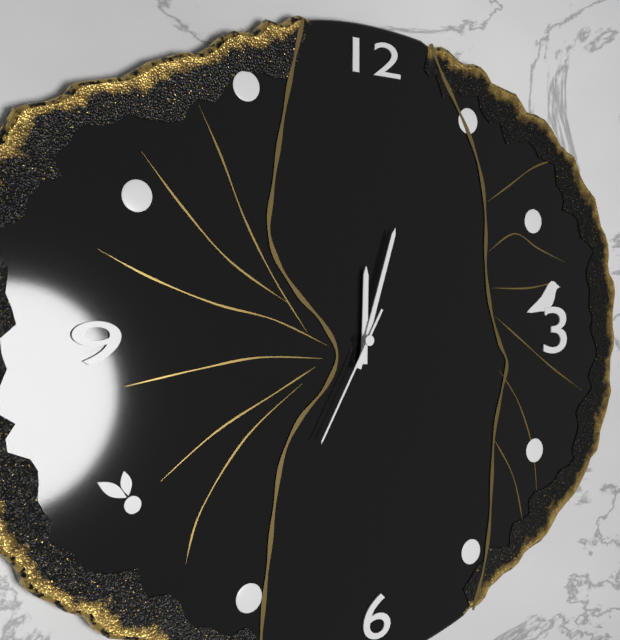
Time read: 12.03.35
